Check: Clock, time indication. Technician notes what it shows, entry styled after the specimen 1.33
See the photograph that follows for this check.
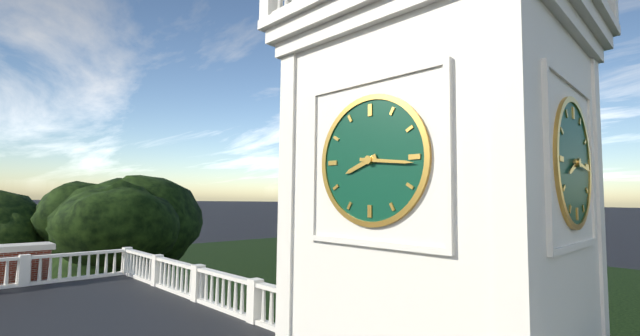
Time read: 8.16
